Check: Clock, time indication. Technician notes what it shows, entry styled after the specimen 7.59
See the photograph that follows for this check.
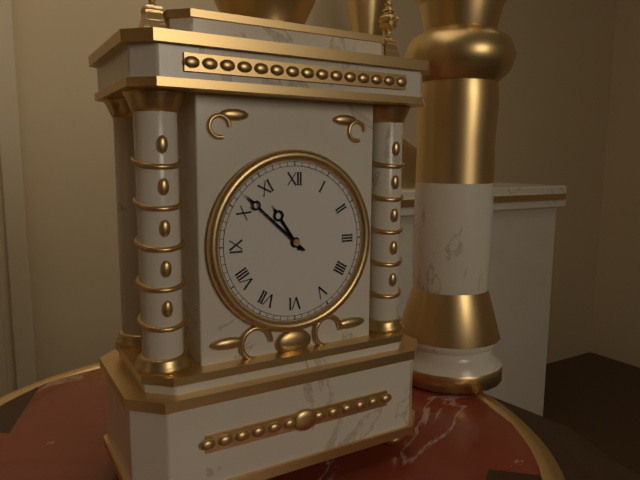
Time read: 10.52
